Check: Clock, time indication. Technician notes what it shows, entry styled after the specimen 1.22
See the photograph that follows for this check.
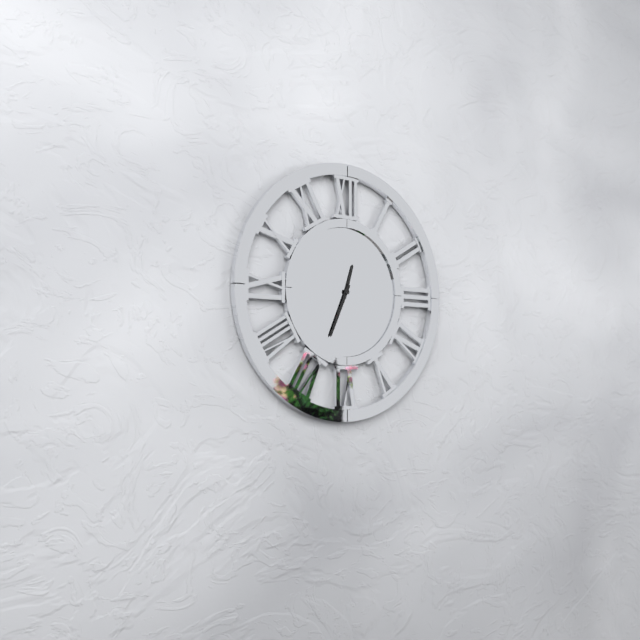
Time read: 12.34
